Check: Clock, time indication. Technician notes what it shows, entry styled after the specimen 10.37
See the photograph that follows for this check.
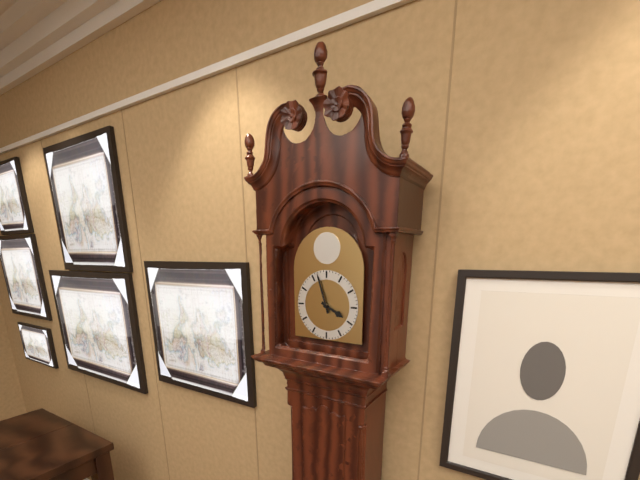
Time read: 3.57
